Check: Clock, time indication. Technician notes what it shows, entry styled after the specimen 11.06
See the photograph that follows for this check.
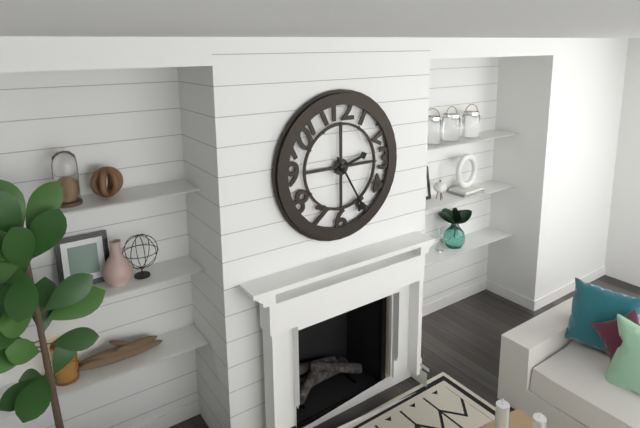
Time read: 2.25
